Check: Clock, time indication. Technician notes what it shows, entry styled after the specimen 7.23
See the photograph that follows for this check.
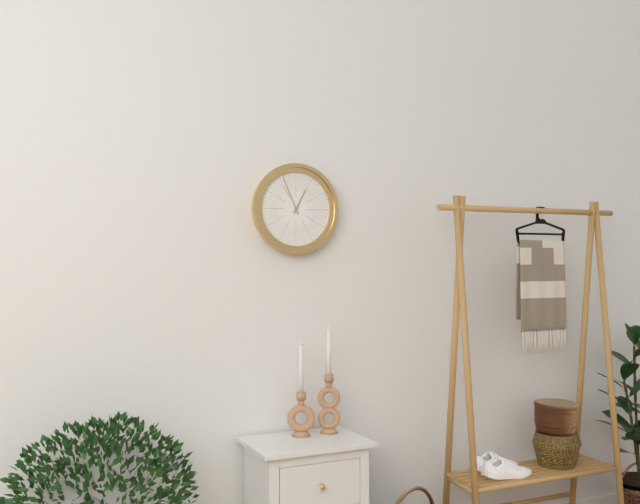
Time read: 12.56
